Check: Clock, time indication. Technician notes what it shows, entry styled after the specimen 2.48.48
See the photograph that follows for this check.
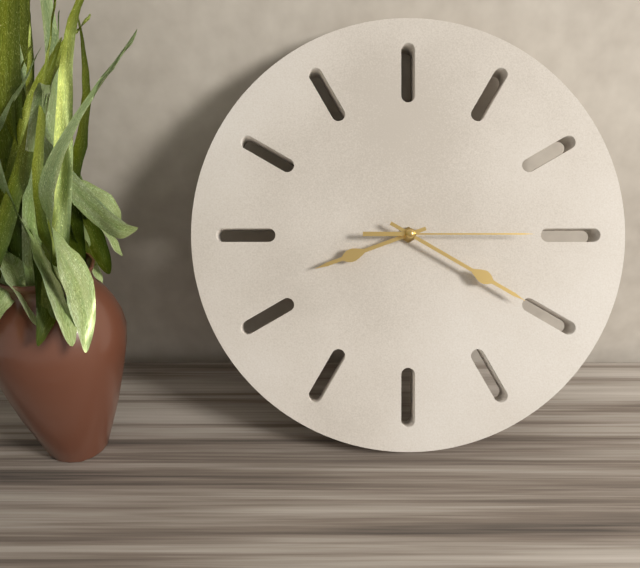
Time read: 8.20.15
